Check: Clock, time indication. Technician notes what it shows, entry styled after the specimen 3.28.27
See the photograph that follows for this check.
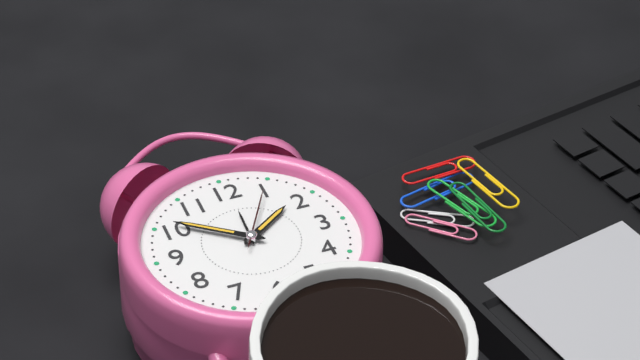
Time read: 1.51.05
